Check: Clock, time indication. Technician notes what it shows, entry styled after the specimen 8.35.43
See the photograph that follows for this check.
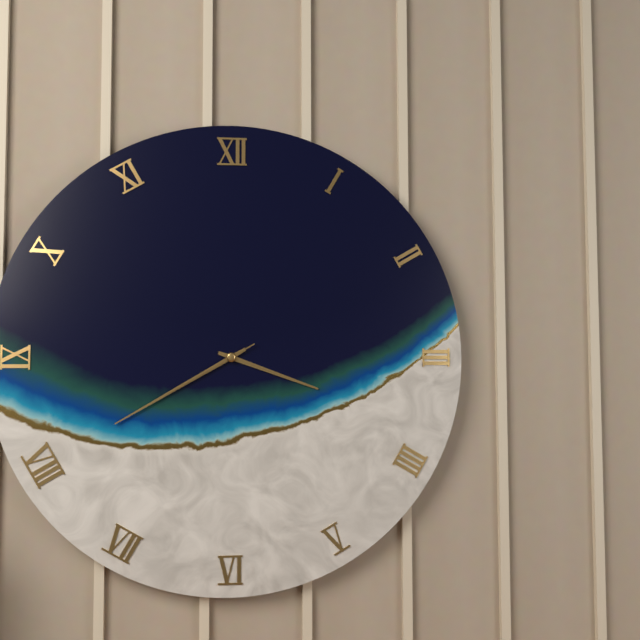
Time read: 3.40.40
